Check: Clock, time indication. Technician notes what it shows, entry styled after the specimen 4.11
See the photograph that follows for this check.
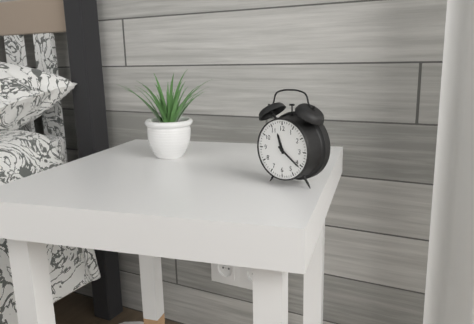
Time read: 11.21
